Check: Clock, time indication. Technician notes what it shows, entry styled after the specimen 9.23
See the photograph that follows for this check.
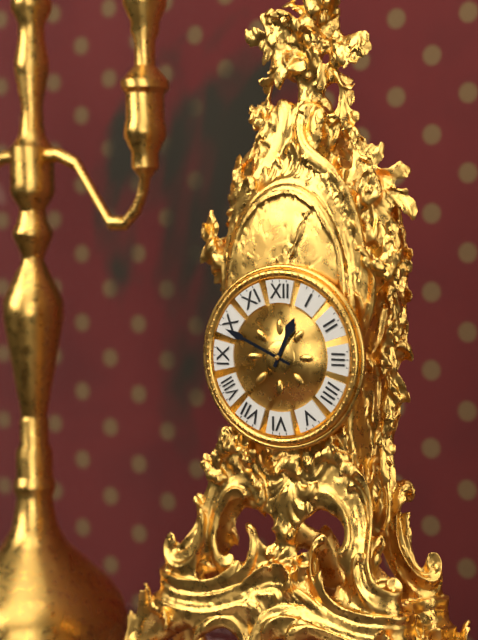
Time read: 12.49
